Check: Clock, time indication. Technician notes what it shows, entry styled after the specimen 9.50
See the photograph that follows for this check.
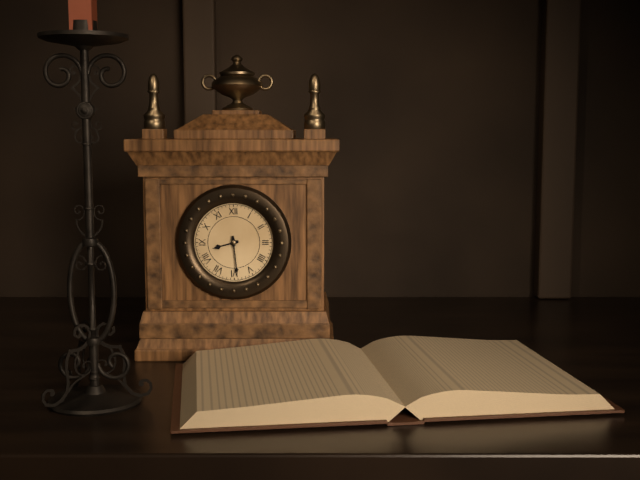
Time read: 8.29
